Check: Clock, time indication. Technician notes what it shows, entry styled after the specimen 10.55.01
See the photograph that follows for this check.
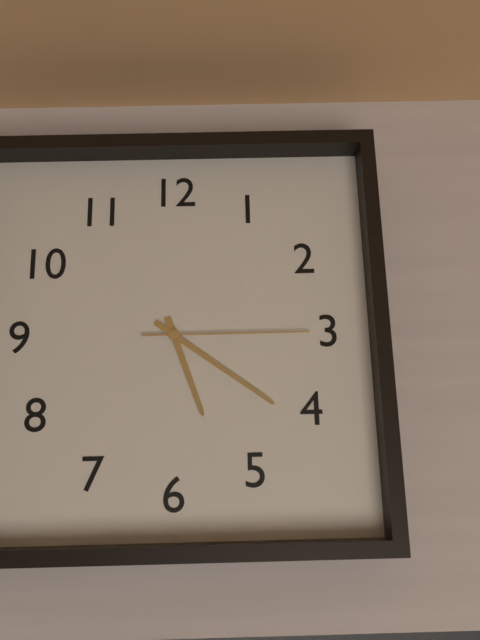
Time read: 5.21.15
